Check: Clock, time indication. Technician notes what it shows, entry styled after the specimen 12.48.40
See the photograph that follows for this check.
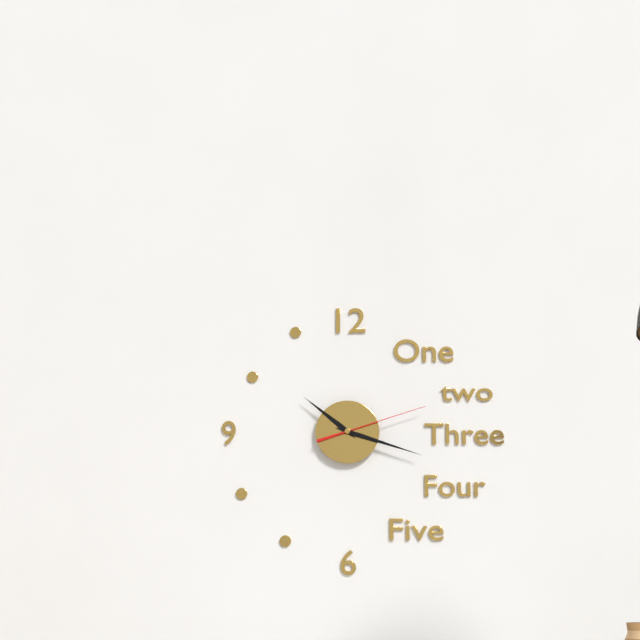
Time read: 10.18.12
